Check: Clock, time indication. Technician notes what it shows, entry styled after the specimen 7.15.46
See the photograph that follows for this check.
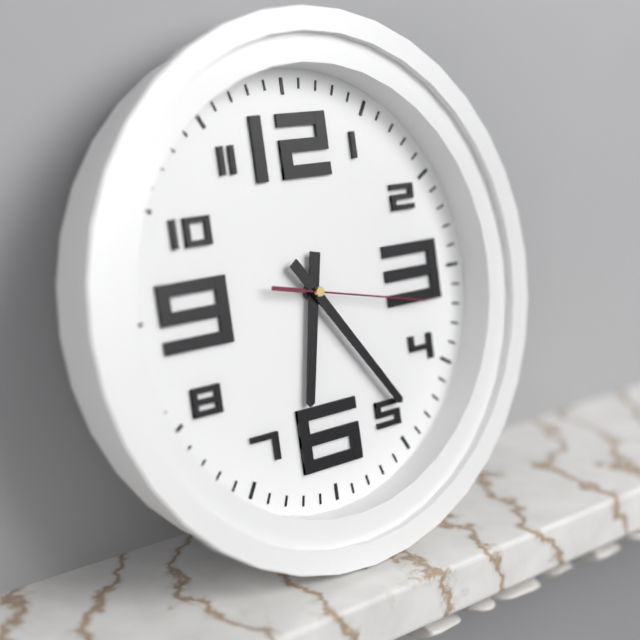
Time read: 6.24.17
